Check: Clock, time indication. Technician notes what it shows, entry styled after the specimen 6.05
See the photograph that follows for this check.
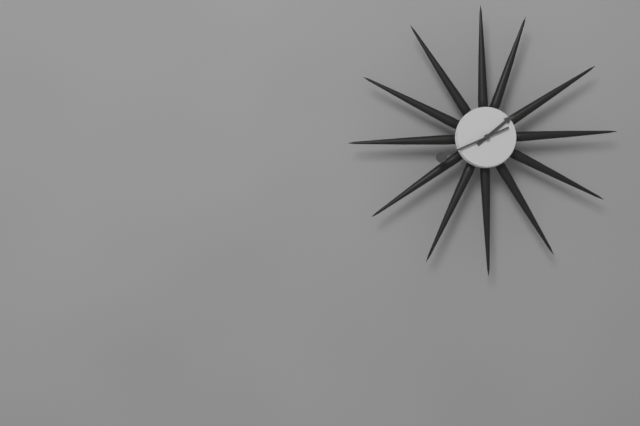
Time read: 1.41
